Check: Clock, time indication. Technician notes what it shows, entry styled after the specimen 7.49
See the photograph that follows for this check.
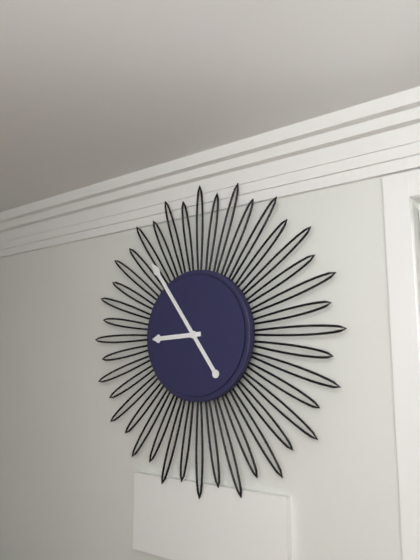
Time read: 8.54
